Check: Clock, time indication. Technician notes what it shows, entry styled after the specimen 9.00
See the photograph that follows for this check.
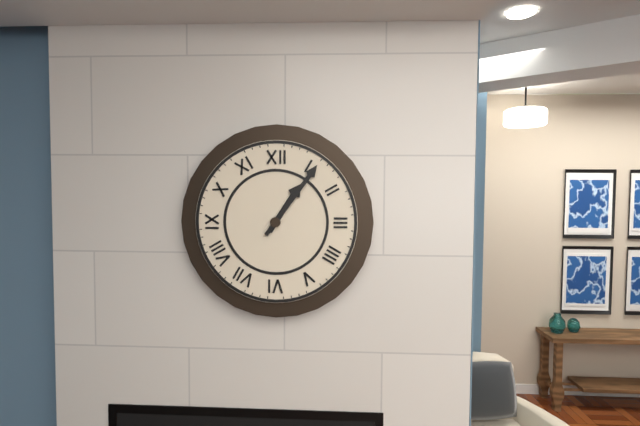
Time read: 1.06
